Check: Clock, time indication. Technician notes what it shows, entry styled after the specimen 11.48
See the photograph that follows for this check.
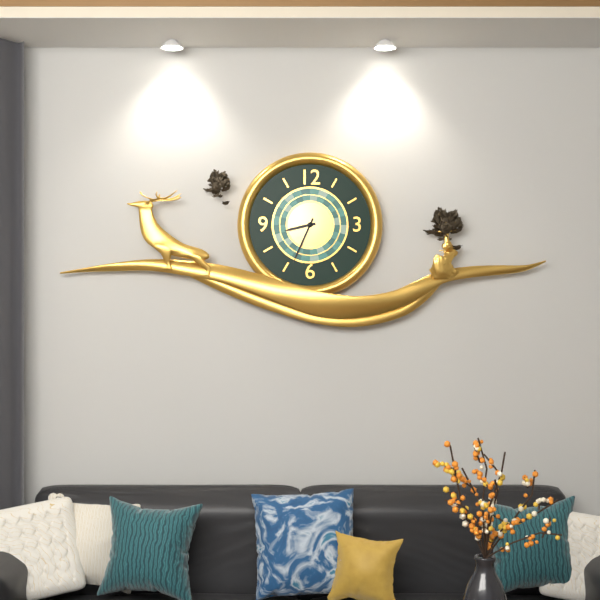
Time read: 8.34
